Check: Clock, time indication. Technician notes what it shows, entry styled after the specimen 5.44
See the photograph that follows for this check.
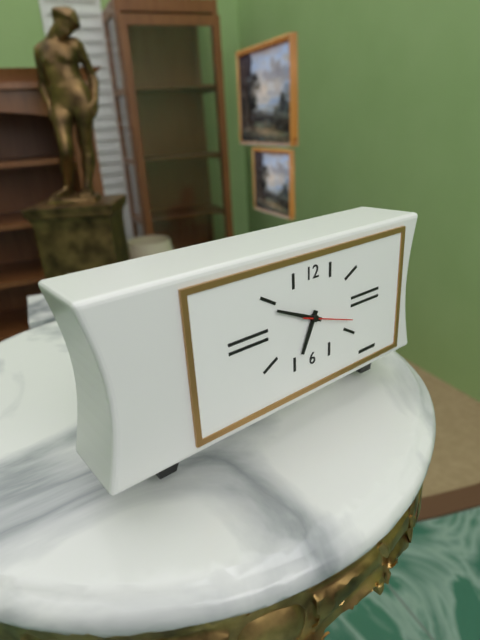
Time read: 6.49
